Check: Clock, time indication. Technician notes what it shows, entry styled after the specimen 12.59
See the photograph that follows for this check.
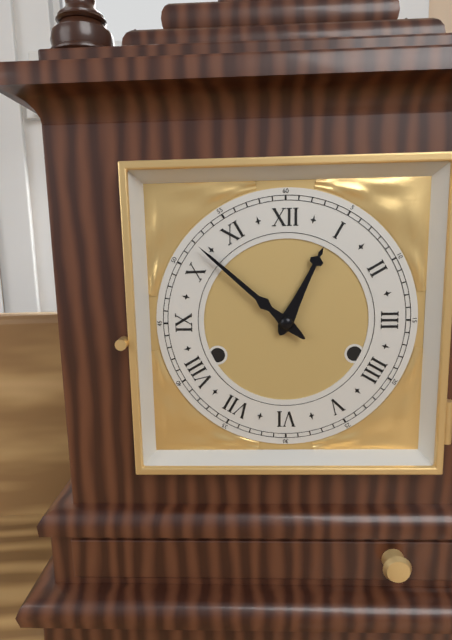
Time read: 12.52
